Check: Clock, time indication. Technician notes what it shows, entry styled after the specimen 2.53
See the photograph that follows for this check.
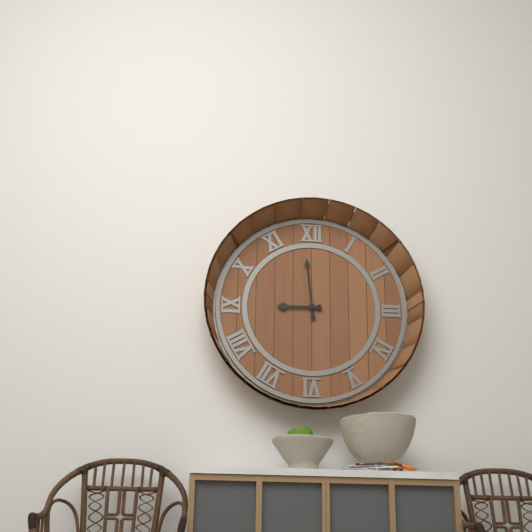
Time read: 8.59
